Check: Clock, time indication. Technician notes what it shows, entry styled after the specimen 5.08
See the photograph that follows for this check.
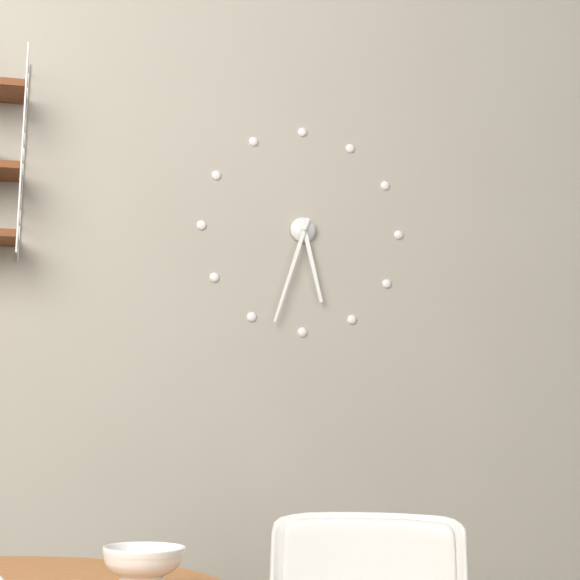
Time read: 5.33
